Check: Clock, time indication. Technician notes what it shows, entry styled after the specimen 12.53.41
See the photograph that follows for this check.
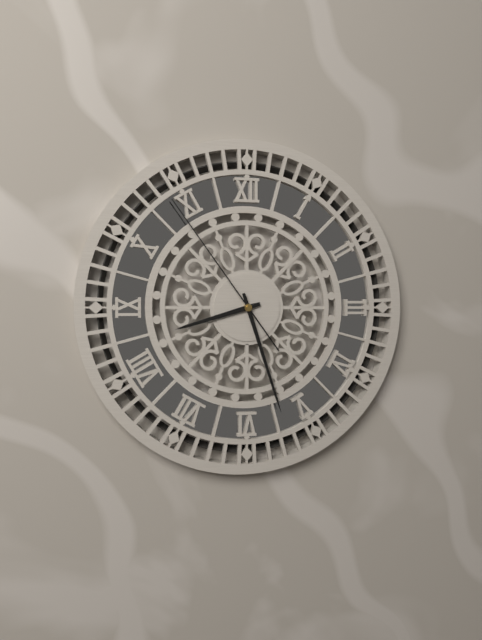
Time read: 8.27.54
